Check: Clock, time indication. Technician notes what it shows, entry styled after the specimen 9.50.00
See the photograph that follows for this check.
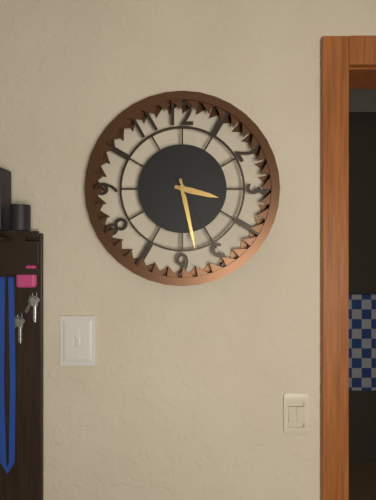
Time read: 3.28.25
